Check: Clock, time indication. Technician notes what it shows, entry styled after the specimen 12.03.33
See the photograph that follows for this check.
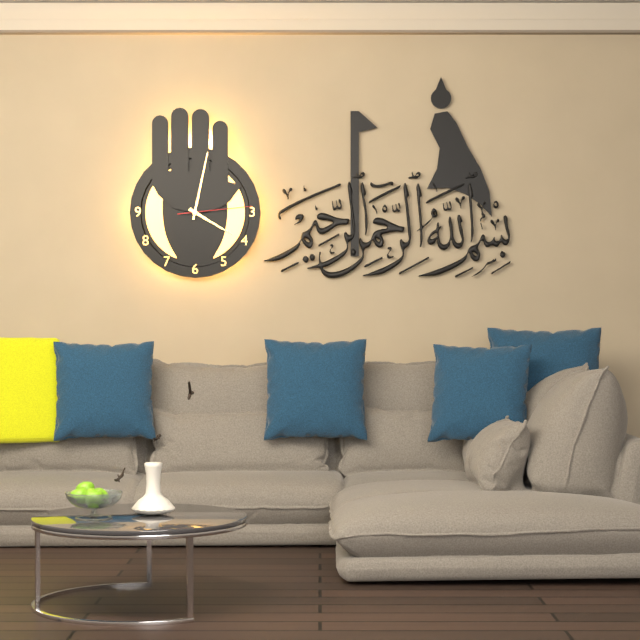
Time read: 4.02.14
